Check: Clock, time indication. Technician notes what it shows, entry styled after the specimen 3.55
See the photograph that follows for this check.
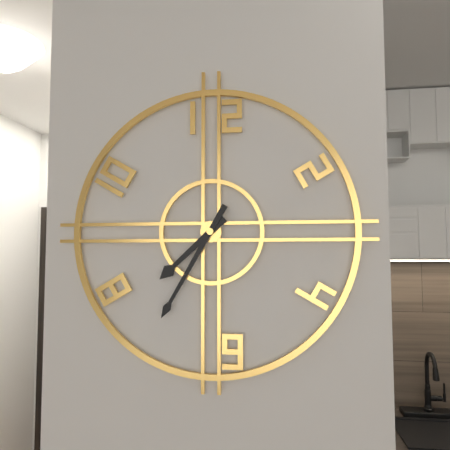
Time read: 7.35
